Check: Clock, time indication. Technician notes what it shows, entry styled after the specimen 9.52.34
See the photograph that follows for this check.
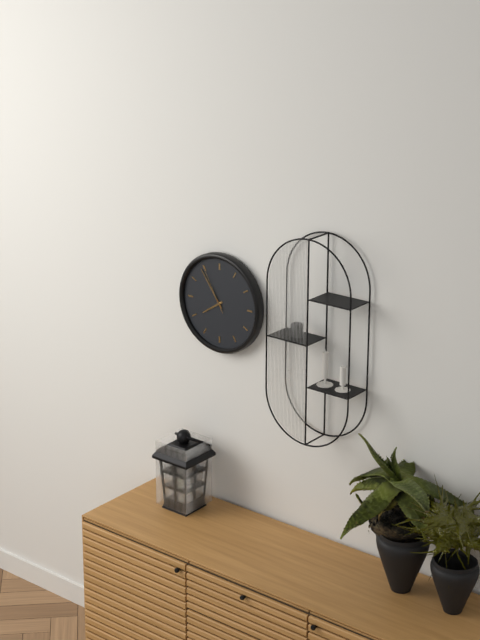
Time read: 7.54.55
